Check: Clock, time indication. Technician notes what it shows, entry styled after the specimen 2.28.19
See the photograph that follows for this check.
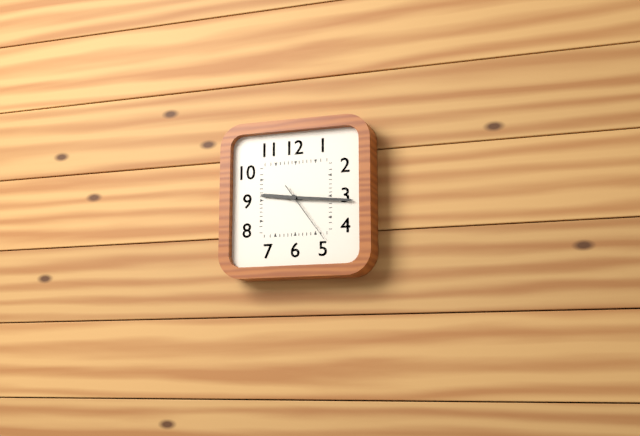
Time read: 9.16.24
